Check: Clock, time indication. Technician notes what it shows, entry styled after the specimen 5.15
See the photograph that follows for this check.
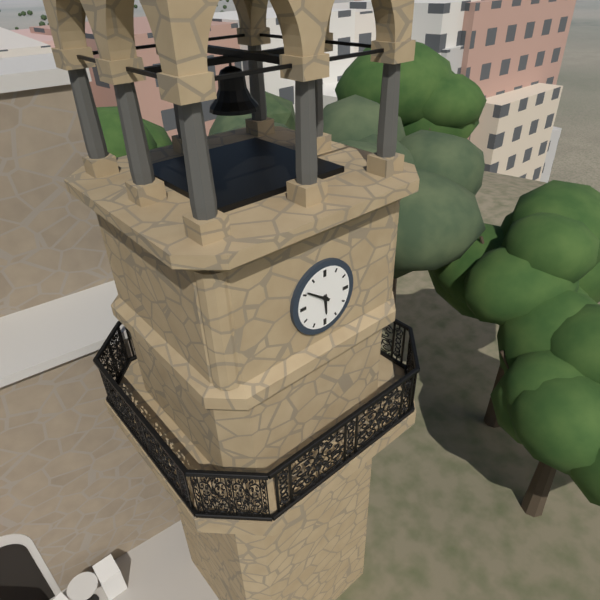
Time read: 5.51
